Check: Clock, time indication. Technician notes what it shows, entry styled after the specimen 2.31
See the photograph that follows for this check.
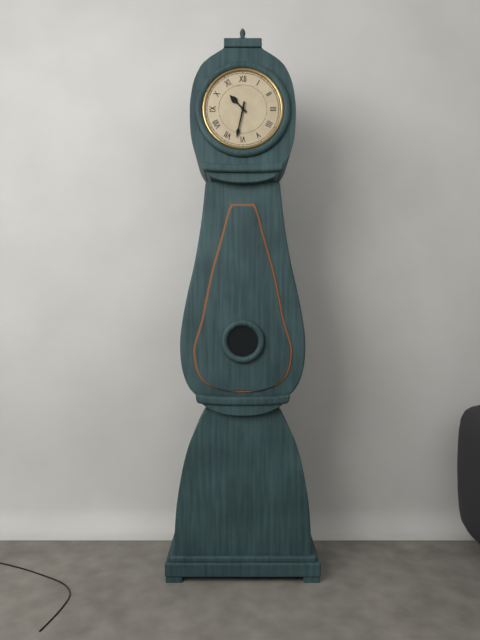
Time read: 10.32
